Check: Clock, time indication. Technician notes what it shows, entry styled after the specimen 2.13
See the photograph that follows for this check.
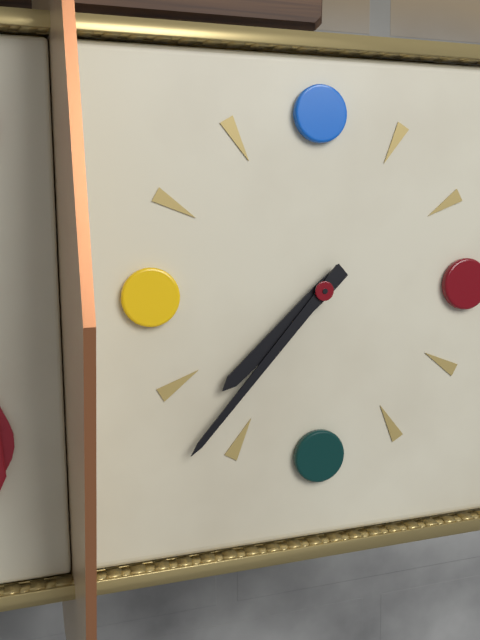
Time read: 7.37
